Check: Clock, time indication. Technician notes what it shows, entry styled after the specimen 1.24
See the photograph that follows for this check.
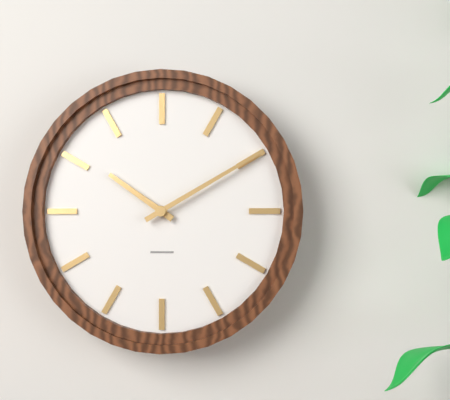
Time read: 10.10
